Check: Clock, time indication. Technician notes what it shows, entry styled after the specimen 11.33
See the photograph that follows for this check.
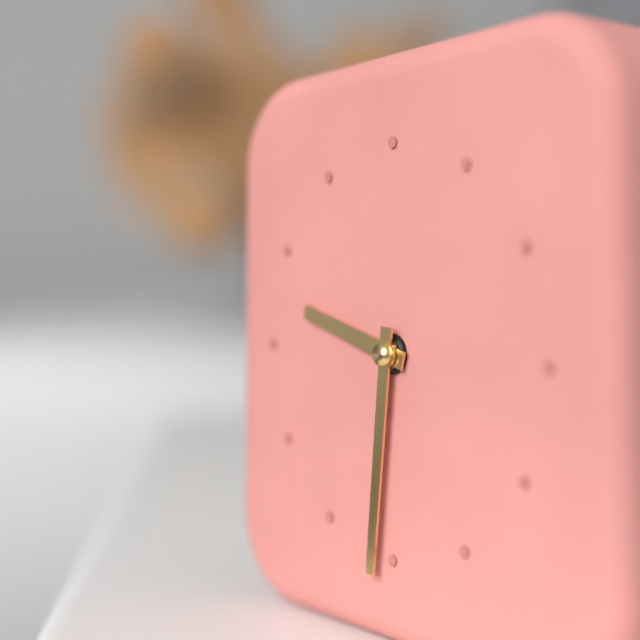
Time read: 9.31
